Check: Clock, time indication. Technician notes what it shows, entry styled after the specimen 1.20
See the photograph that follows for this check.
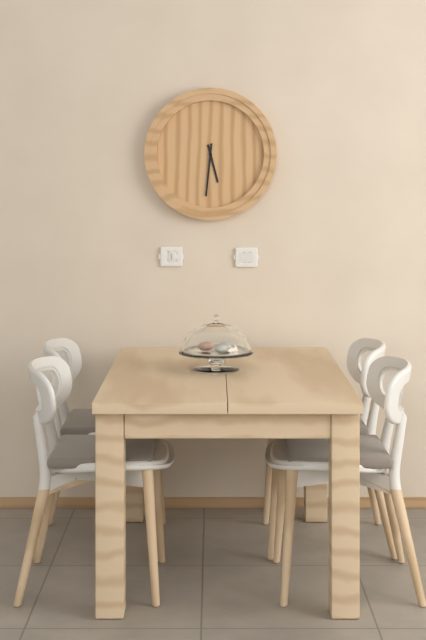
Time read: 5.31
